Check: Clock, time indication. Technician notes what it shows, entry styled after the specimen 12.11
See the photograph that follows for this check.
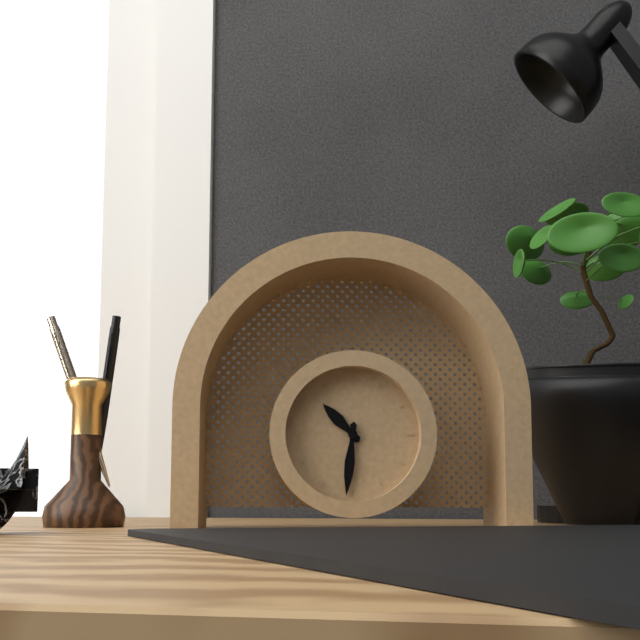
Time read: 10.31
